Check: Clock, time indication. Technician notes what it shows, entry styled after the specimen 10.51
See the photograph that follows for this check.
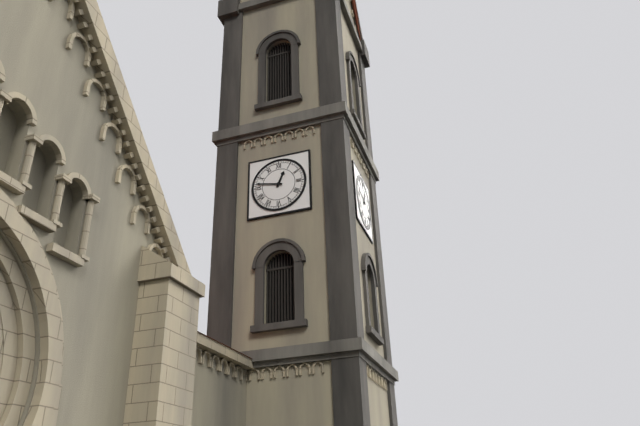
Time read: 12.47
